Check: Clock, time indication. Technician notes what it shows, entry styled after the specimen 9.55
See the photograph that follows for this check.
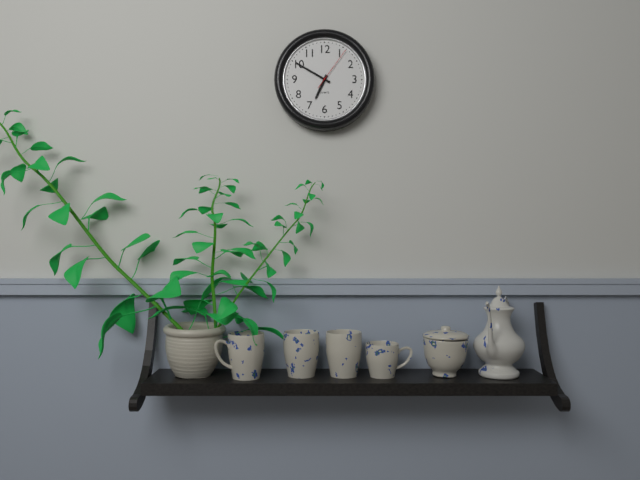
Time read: 6.50
